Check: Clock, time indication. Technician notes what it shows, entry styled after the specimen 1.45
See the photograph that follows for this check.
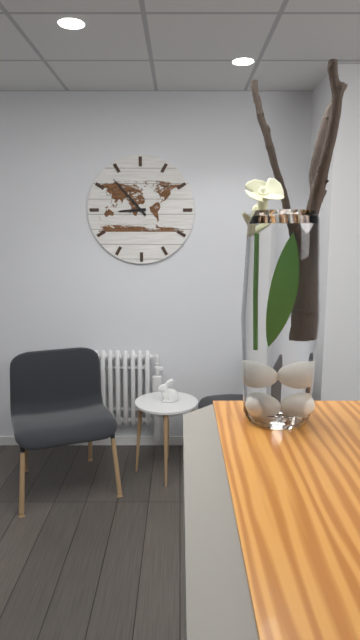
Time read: 8.53
